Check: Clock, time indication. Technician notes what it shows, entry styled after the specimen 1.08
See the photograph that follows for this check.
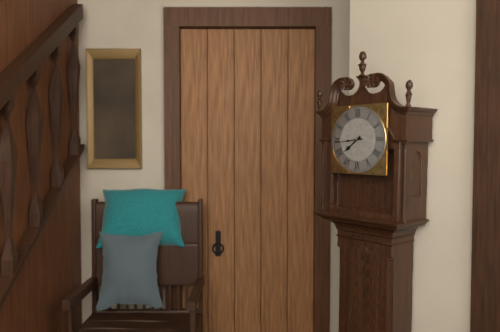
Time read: 7.44
